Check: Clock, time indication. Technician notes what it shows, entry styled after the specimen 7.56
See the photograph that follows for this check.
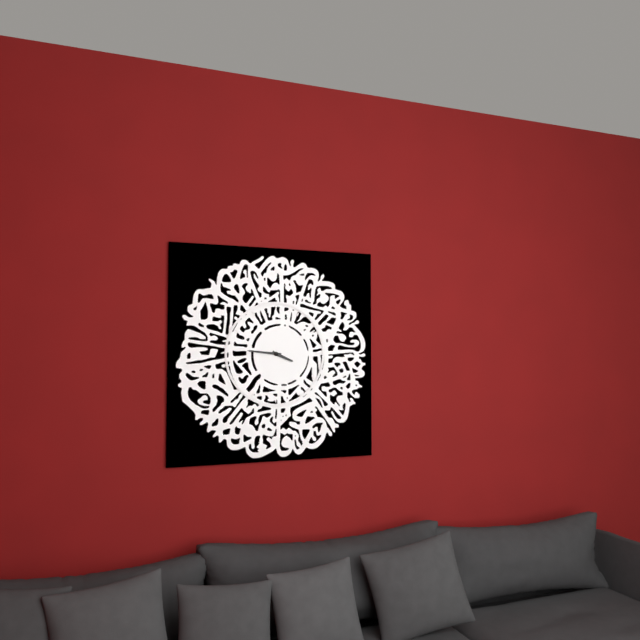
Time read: 3.46
